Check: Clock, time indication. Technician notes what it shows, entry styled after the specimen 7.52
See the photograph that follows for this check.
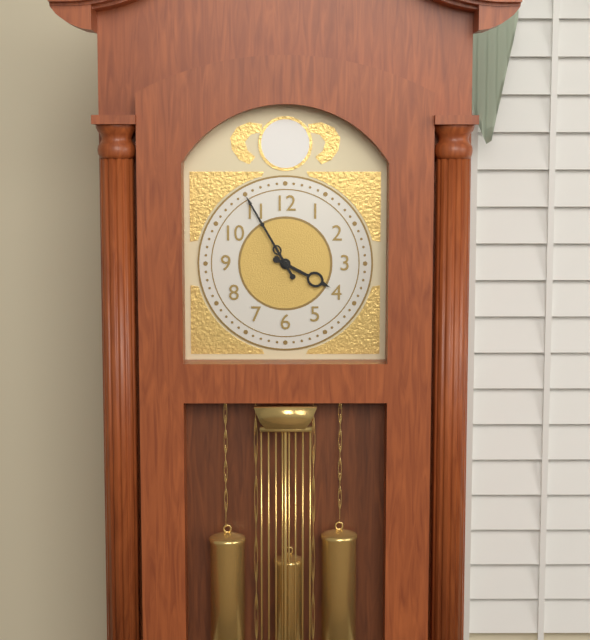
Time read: 3.55
